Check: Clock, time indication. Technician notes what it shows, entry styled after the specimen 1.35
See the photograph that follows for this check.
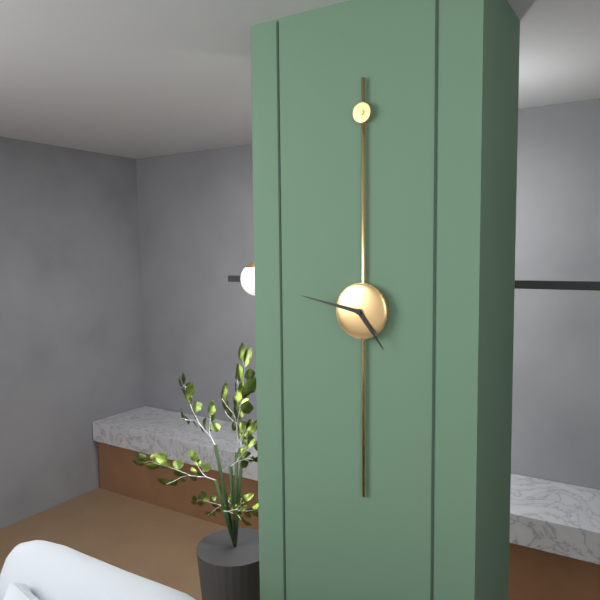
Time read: 4.47
